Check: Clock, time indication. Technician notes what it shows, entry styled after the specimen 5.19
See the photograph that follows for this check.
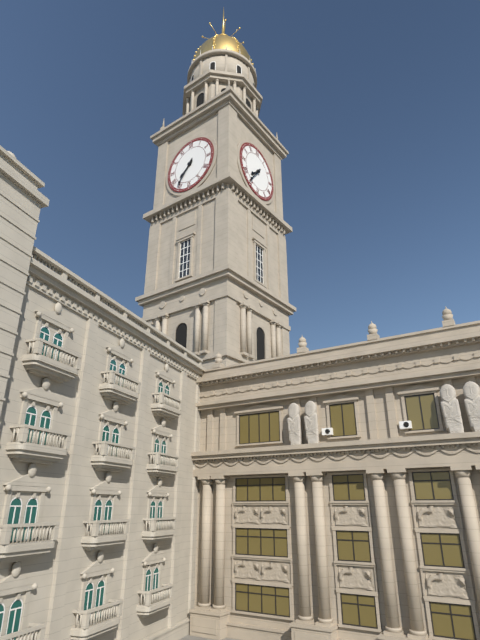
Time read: 7.36
